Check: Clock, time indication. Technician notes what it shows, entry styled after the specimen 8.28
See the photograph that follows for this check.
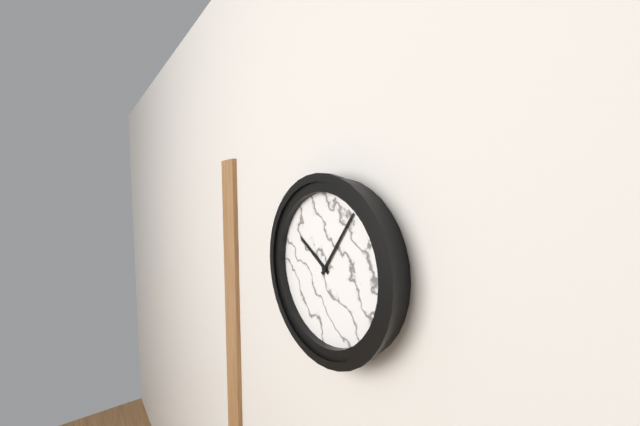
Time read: 10.06
